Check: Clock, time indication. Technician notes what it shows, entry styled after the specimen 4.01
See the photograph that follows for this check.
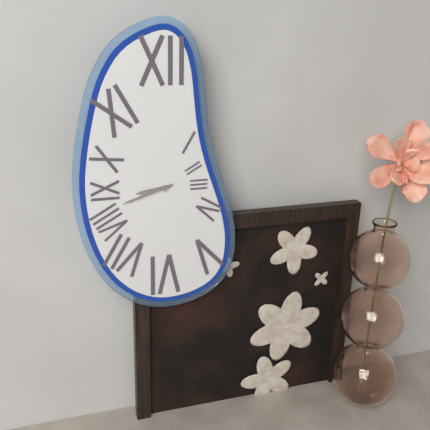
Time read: 8.42
